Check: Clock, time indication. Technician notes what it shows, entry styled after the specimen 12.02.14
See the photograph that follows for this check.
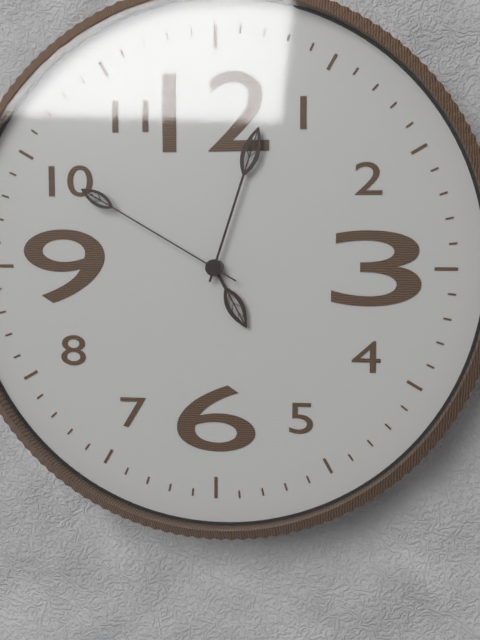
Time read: 5.03.50
